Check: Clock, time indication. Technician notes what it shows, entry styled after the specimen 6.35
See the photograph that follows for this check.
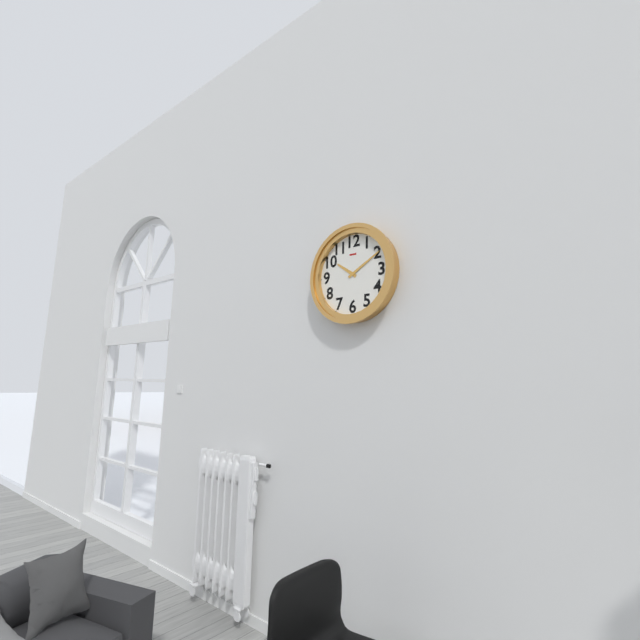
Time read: 10.10
